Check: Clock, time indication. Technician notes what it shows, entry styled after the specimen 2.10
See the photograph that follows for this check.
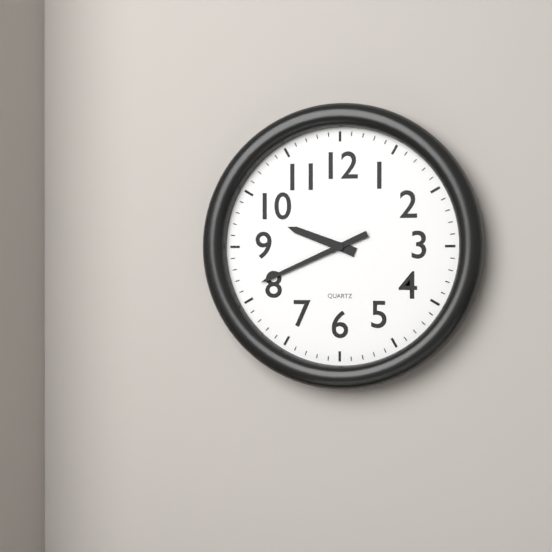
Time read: 9.41
